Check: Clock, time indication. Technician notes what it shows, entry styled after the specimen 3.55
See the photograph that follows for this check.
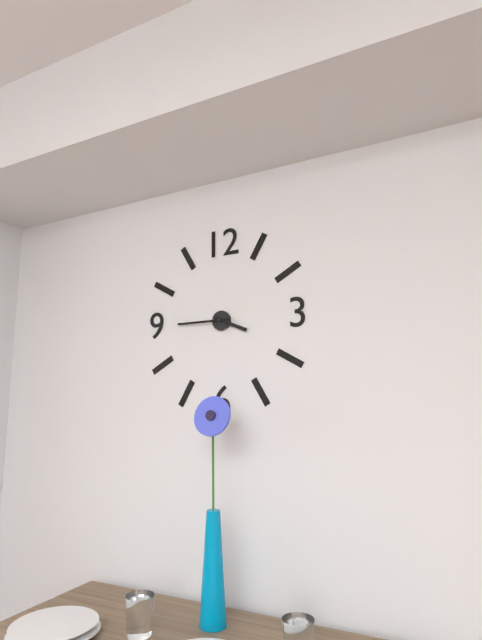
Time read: 3.45
